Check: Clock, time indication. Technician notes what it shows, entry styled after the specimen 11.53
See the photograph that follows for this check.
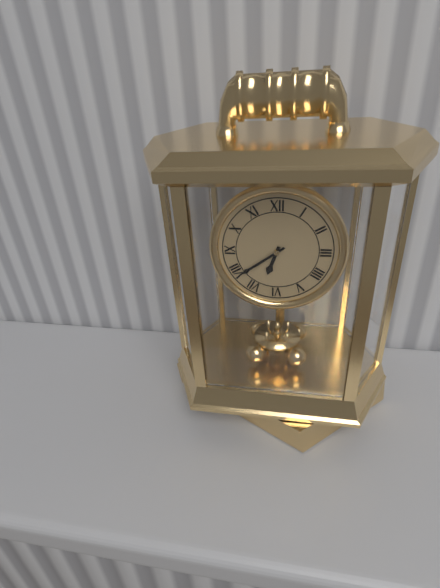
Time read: 6.39
